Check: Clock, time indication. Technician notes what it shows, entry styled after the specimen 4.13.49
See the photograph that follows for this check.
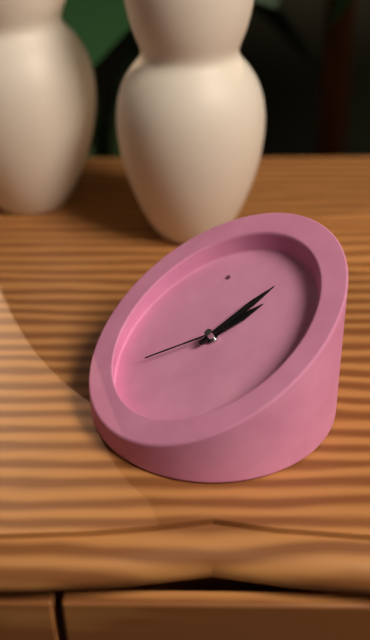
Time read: 3.15.49
